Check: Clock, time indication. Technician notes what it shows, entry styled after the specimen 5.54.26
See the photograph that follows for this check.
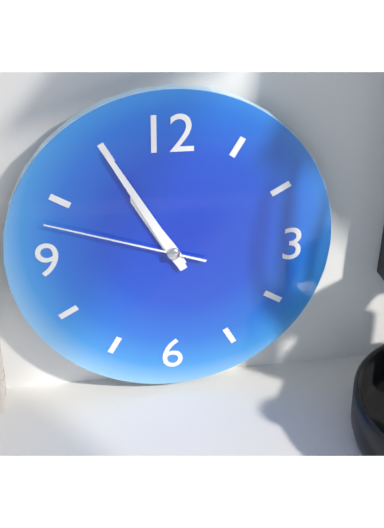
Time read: 10.55.48
